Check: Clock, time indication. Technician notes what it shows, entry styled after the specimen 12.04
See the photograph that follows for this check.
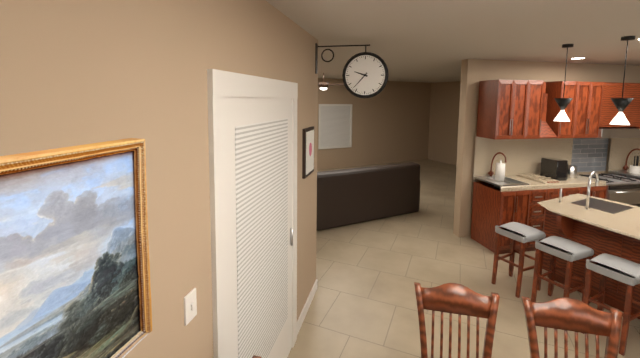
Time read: 9.37
